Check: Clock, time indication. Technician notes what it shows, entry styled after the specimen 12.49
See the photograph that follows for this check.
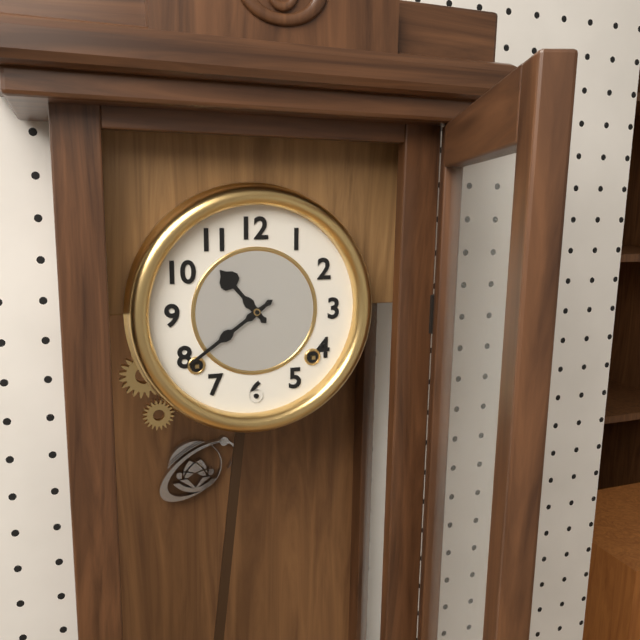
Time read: 10.39
